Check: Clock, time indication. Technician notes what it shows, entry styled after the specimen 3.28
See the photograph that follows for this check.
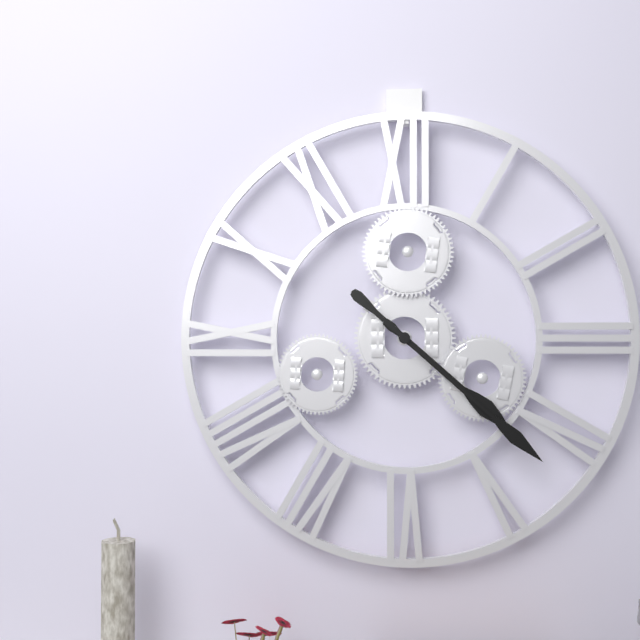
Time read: 4.22
